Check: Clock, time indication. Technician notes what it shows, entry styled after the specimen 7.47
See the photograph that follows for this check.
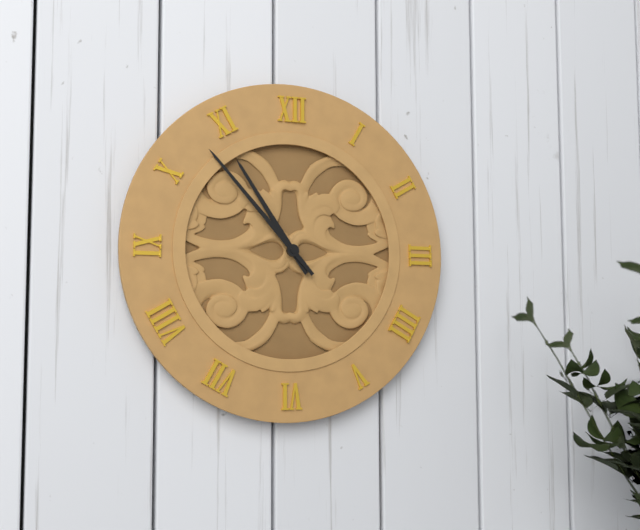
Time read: 10.53
